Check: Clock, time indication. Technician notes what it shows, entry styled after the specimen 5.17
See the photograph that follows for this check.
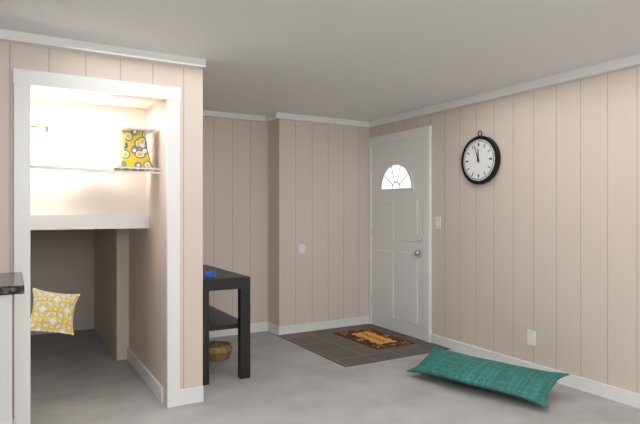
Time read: 11.57
